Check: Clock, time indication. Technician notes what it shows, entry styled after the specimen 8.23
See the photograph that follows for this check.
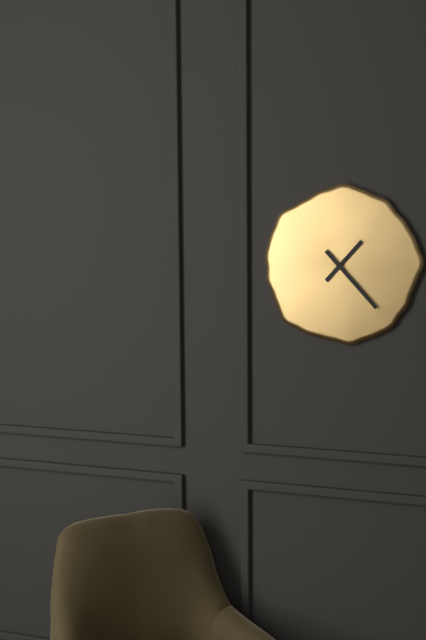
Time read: 1.23
